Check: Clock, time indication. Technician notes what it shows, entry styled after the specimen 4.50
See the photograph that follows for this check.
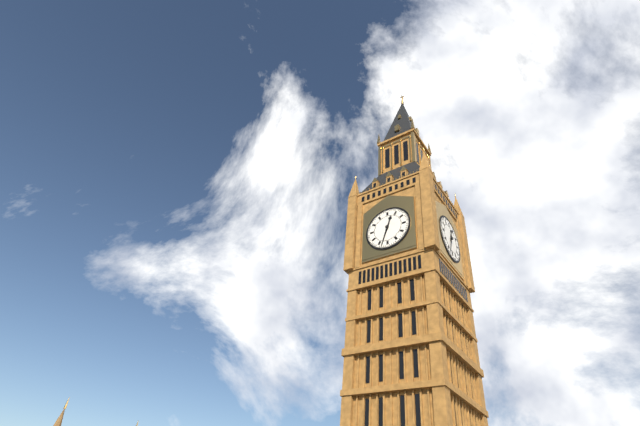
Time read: 12.33
